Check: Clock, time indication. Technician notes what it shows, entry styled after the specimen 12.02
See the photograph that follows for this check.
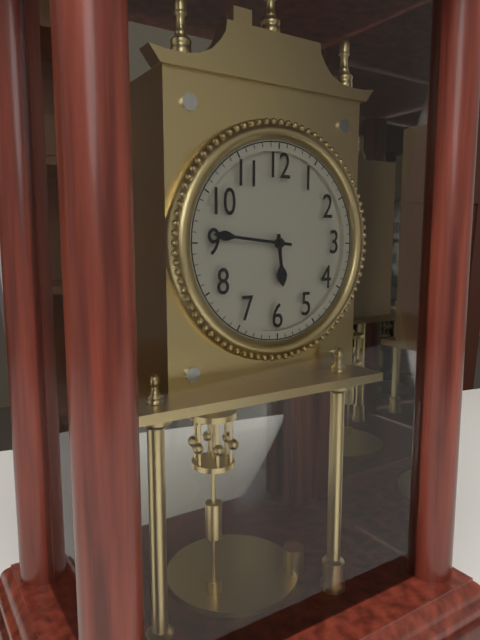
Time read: 5.46
